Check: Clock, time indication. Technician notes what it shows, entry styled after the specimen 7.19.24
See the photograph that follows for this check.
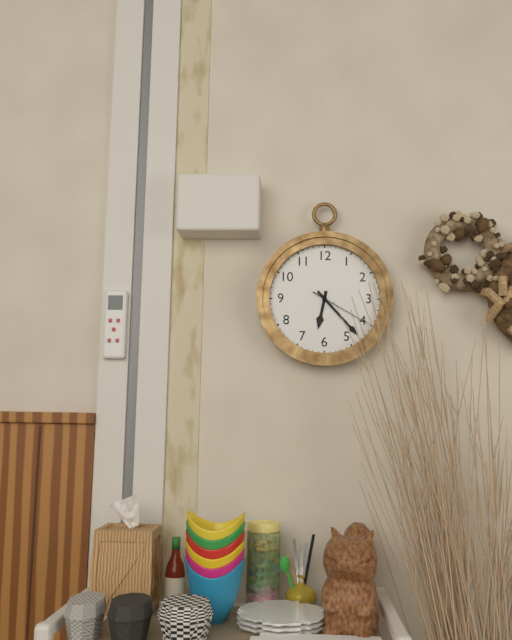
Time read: 6.23.20
